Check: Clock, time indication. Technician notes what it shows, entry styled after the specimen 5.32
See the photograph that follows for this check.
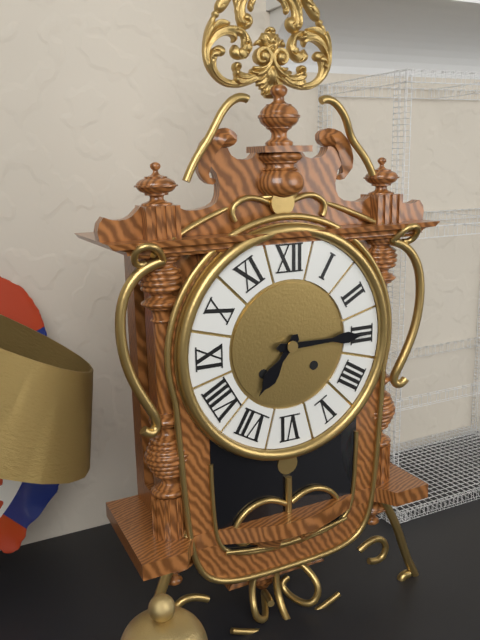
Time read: 7.15
